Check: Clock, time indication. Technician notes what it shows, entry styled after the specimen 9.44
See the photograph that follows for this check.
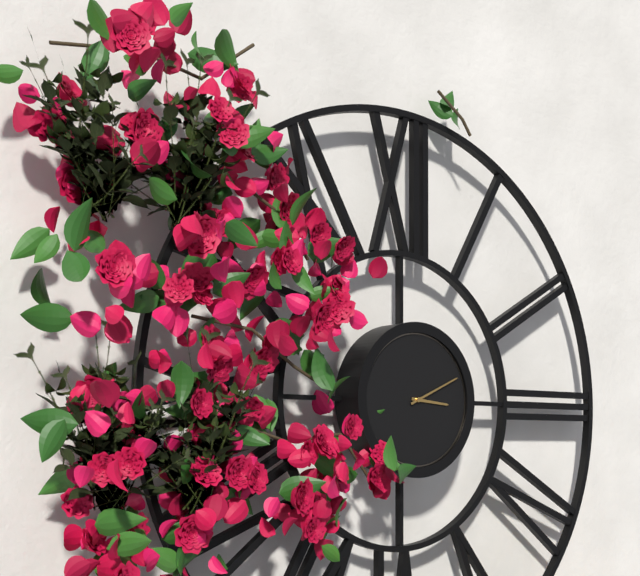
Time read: 3.11
